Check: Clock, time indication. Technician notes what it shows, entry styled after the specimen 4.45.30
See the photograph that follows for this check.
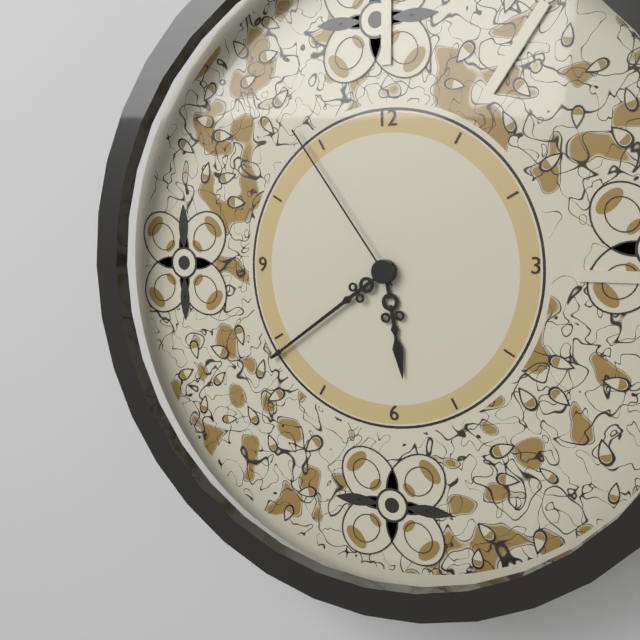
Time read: 5.39.54
